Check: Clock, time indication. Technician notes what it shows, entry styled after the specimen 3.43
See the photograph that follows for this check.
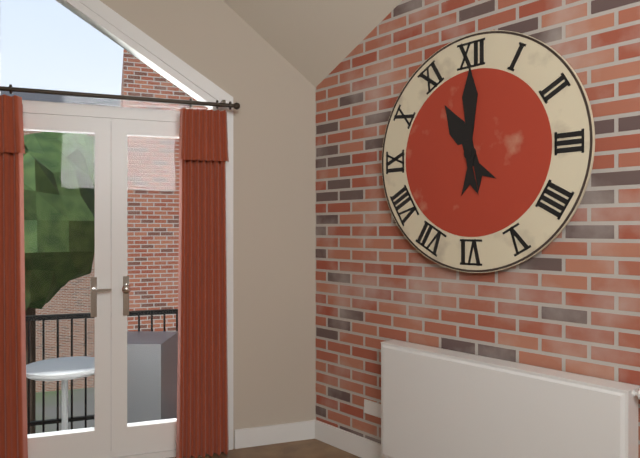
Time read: 11.00
